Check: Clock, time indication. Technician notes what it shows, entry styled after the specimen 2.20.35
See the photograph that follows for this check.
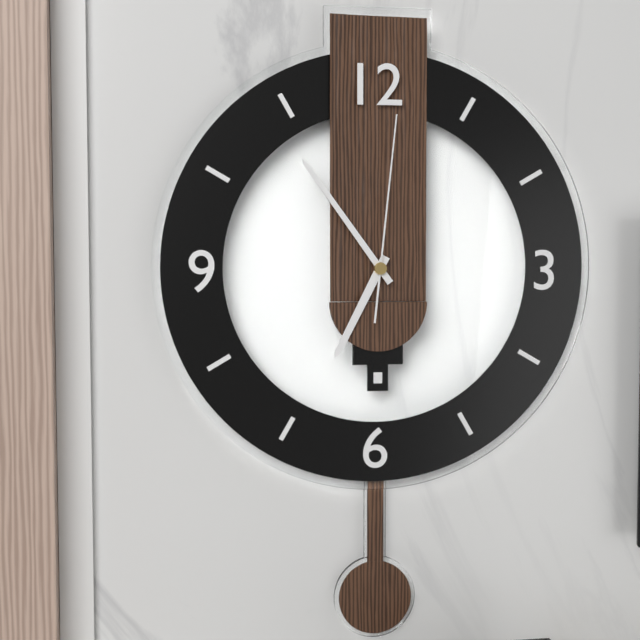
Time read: 6.54.01
